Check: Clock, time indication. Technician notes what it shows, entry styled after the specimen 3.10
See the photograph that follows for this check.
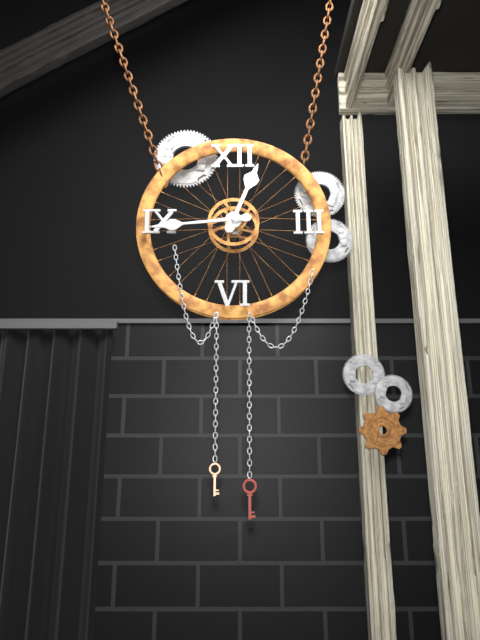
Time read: 12.44
